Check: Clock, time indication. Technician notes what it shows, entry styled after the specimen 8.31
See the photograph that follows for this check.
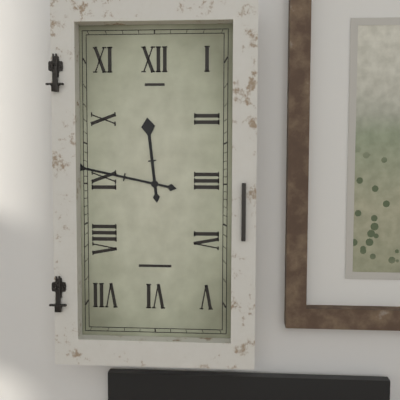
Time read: 11.47
